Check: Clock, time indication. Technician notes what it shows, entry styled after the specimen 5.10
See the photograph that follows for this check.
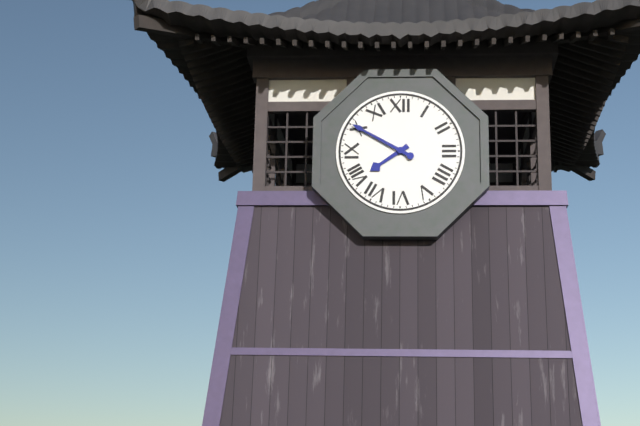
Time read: 7.50
